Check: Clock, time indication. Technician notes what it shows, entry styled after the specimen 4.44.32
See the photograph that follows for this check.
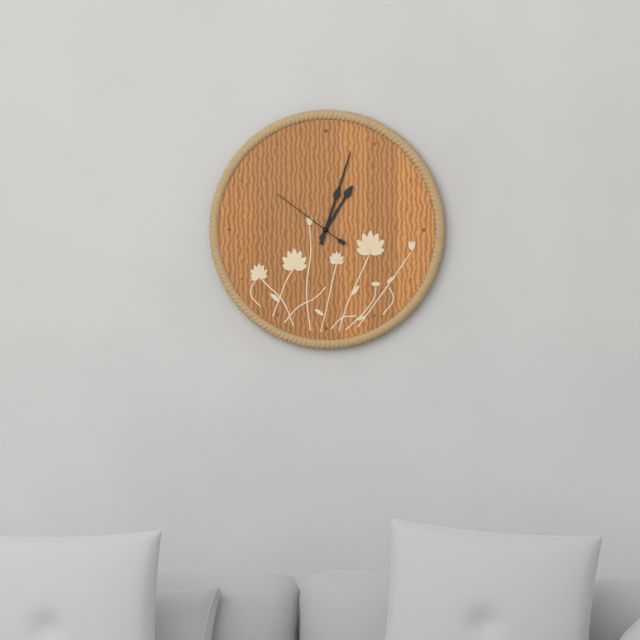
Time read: 1.03.51
